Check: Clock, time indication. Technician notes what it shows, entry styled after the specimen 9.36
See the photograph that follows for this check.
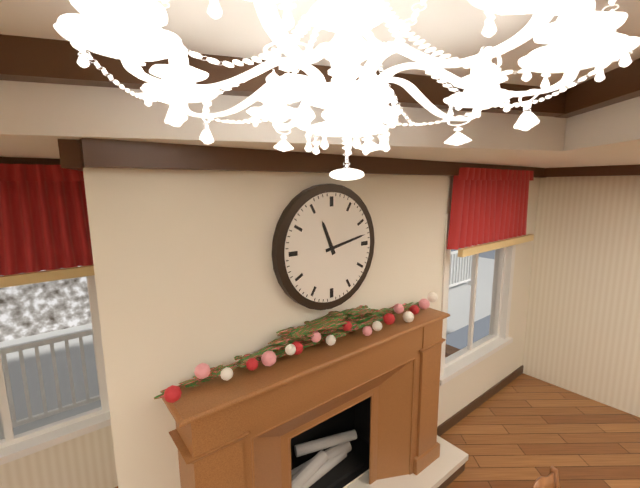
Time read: 11.13
